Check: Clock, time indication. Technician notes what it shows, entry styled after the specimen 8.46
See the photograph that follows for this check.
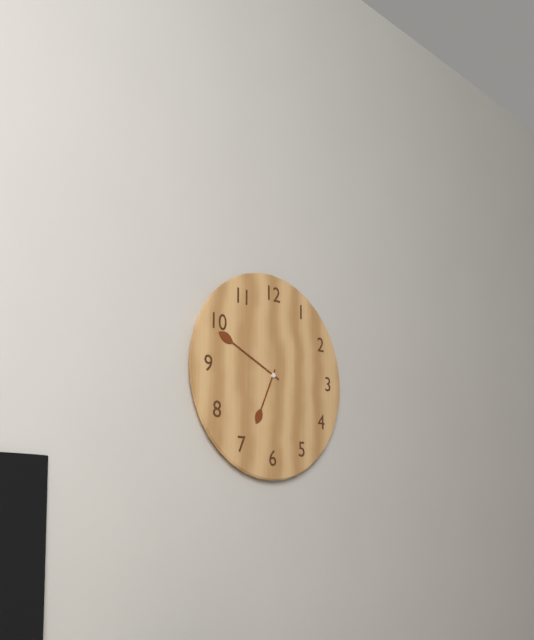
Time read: 6.49
